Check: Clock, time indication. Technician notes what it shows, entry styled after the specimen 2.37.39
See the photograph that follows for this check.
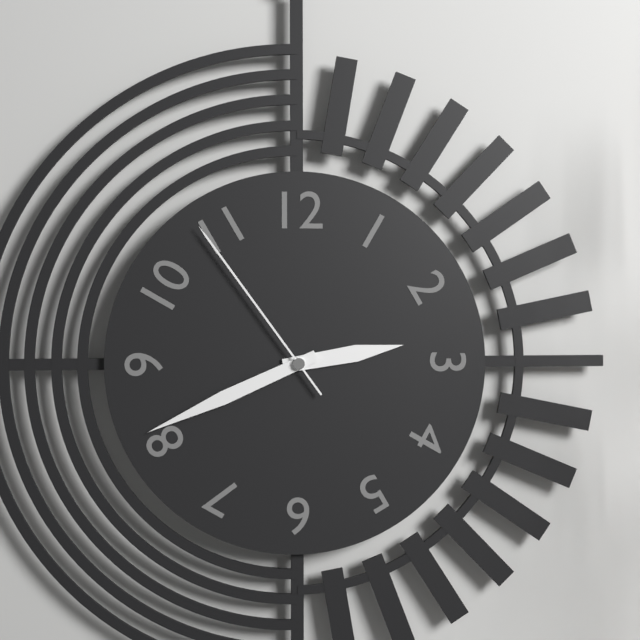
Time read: 2.41.54
